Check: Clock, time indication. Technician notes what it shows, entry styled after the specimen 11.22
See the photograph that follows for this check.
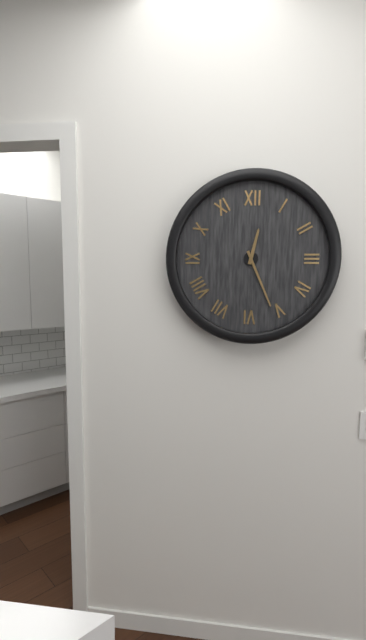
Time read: 12.26
